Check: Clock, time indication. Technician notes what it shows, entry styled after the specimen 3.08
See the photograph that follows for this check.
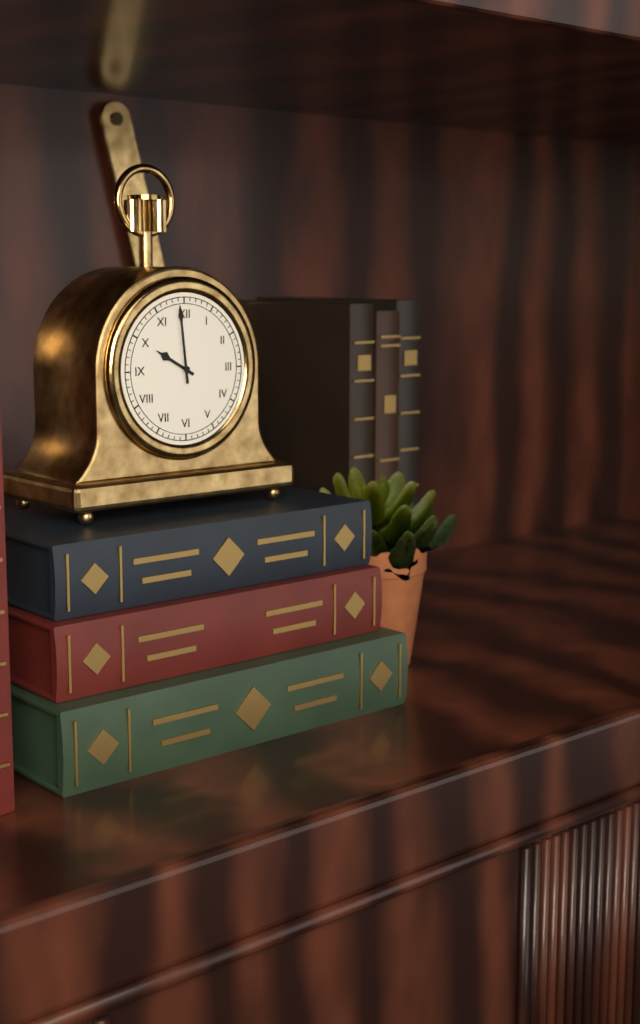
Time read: 9.59
